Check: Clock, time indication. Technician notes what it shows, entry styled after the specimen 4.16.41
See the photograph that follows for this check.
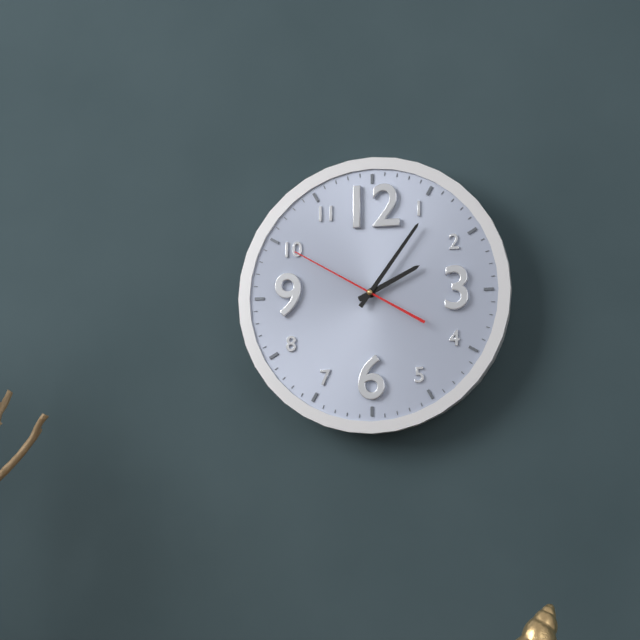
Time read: 2.06.50
